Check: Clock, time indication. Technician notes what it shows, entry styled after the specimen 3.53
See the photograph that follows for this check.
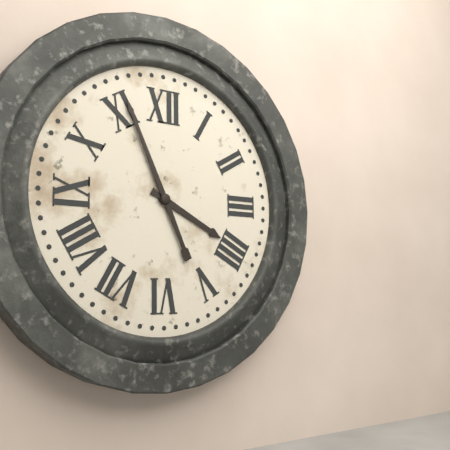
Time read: 3.56
